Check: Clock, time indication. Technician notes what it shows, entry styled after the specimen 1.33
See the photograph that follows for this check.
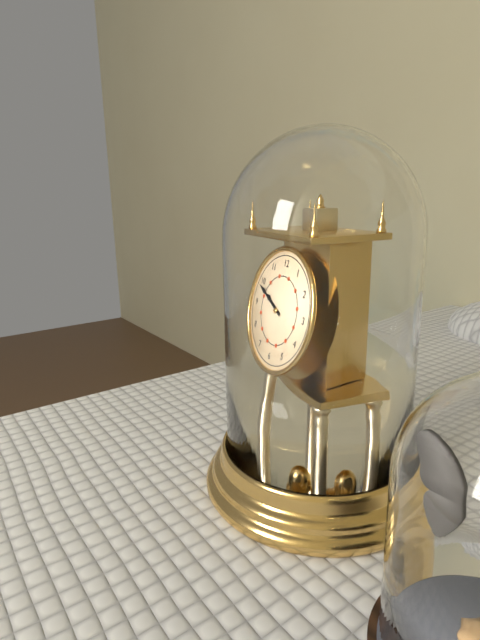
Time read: 9.49
